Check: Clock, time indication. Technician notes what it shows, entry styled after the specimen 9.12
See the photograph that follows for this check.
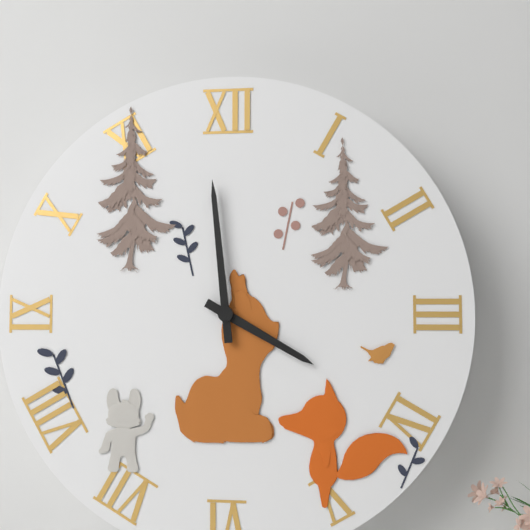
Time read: 3.59
